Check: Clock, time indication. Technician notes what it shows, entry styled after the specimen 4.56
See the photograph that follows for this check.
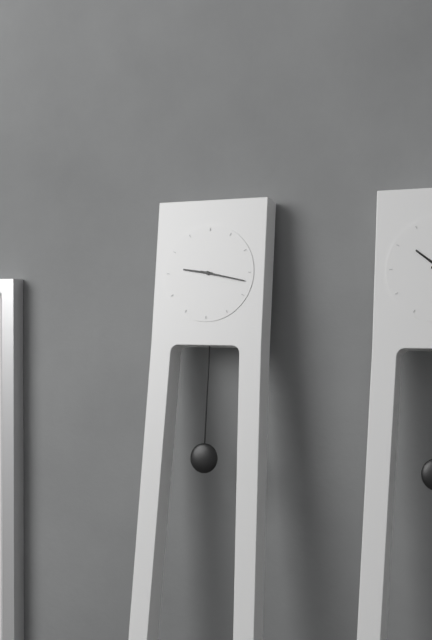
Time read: 9.17
